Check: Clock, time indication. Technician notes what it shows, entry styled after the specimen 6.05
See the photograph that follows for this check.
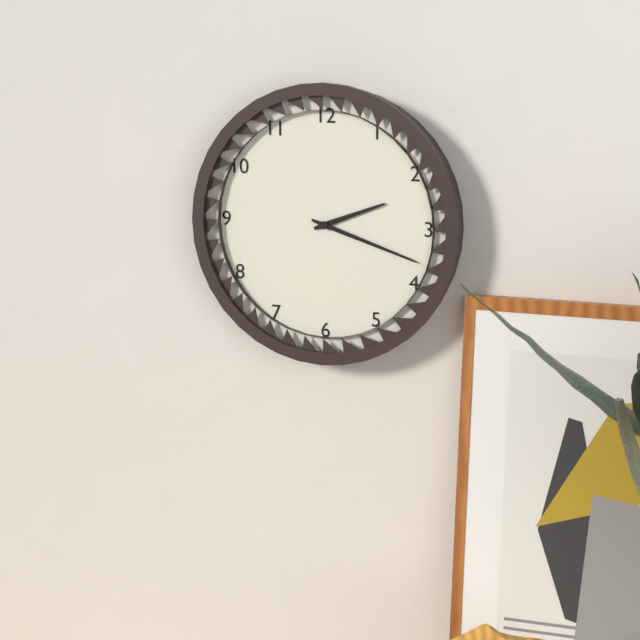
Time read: 2.18
